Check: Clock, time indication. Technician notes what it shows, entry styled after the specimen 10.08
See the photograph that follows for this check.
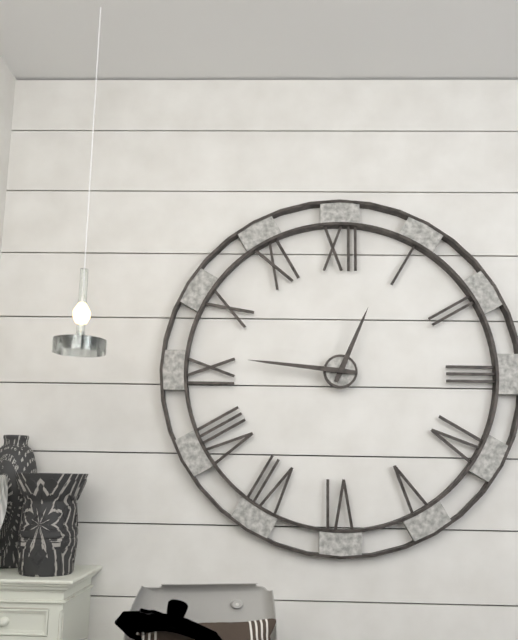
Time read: 12.46
